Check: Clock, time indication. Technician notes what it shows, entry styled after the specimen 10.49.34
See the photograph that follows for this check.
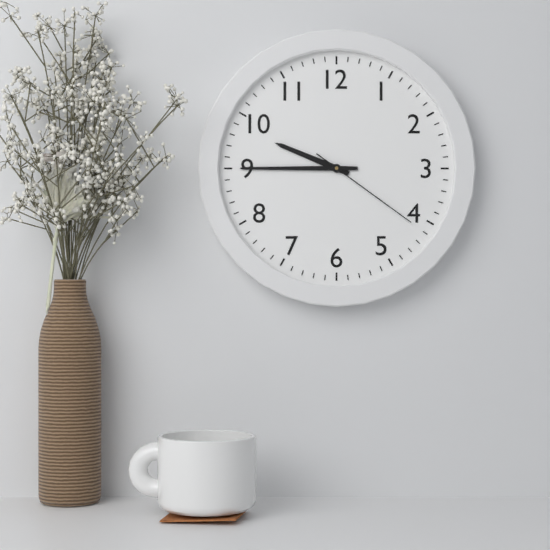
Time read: 9.45.21
